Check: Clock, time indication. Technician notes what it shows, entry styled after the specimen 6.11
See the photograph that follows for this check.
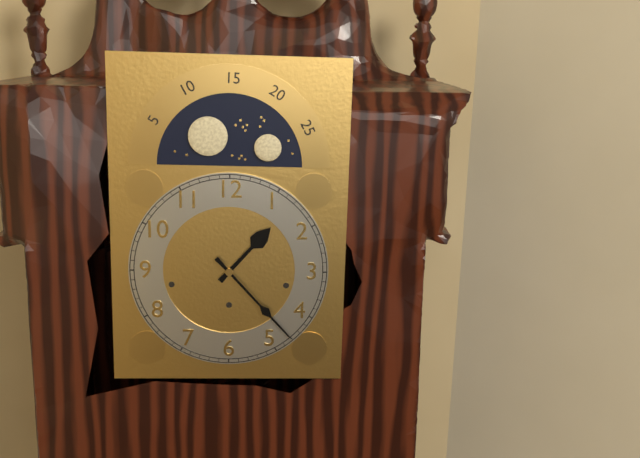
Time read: 1.23
